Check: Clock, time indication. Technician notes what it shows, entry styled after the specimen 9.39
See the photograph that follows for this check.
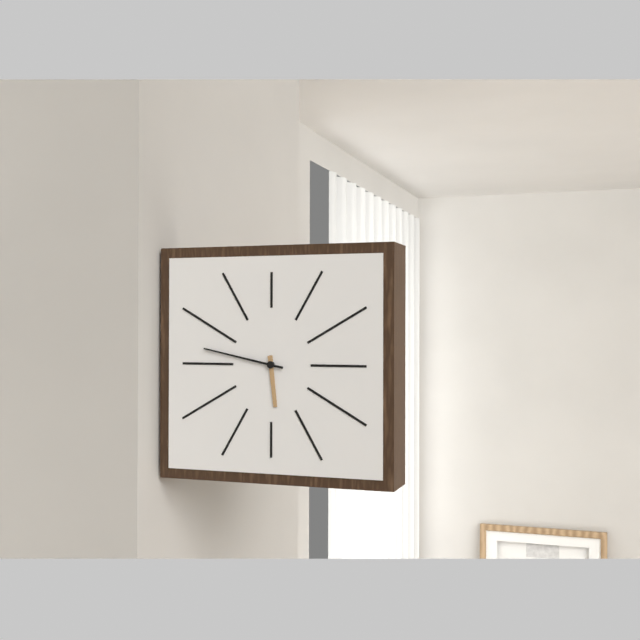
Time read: 5.47
